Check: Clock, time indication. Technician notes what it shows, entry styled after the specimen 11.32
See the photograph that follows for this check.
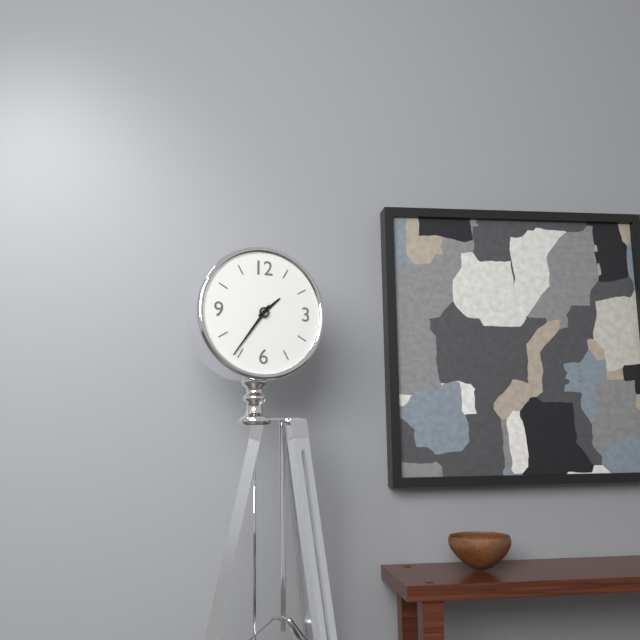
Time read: 1.36
